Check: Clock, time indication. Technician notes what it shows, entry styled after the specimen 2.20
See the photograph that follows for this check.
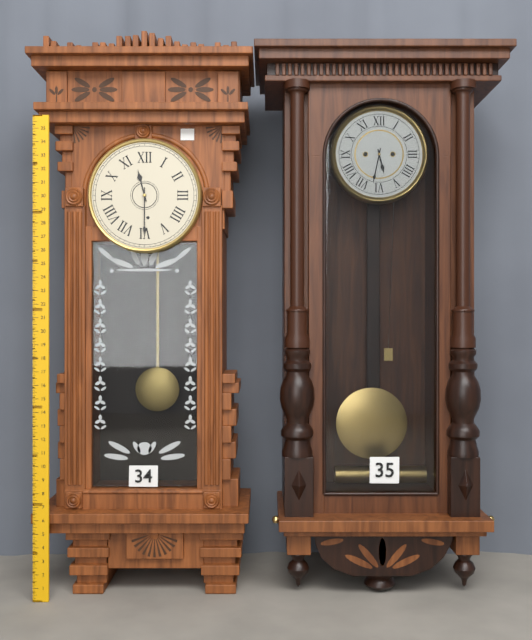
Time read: 11.30
